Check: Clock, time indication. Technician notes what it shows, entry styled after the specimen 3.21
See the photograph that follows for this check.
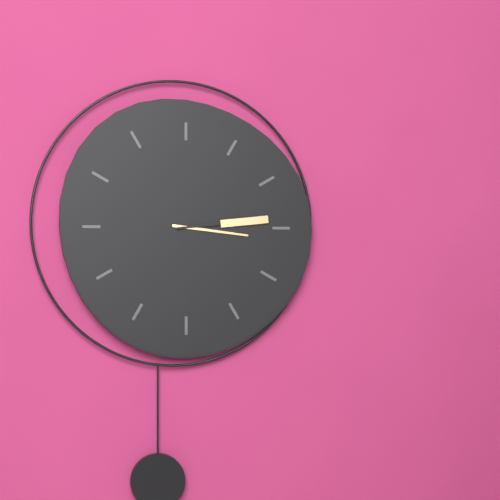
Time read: 3.14
